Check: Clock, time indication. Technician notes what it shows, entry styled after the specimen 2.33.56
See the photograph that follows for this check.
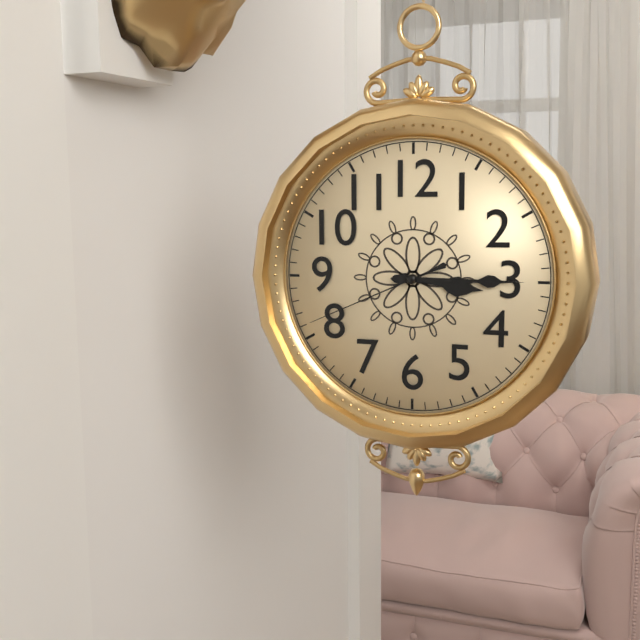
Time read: 3.15.41
